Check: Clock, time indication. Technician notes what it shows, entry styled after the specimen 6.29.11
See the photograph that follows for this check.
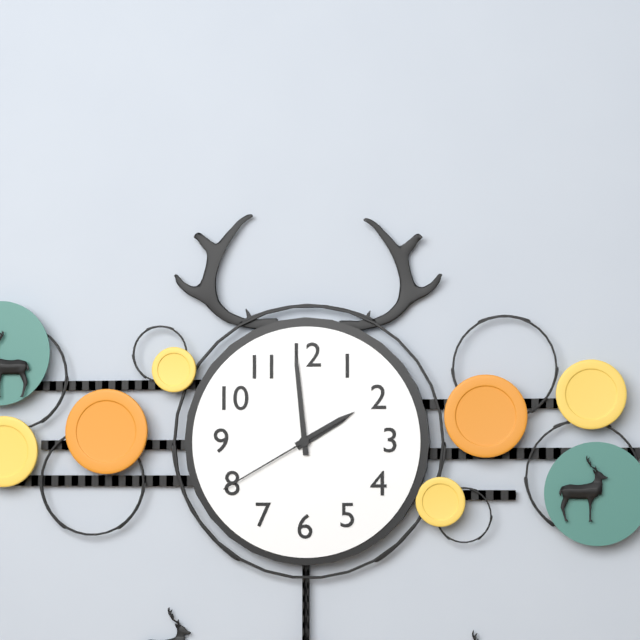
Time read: 1.59.40
